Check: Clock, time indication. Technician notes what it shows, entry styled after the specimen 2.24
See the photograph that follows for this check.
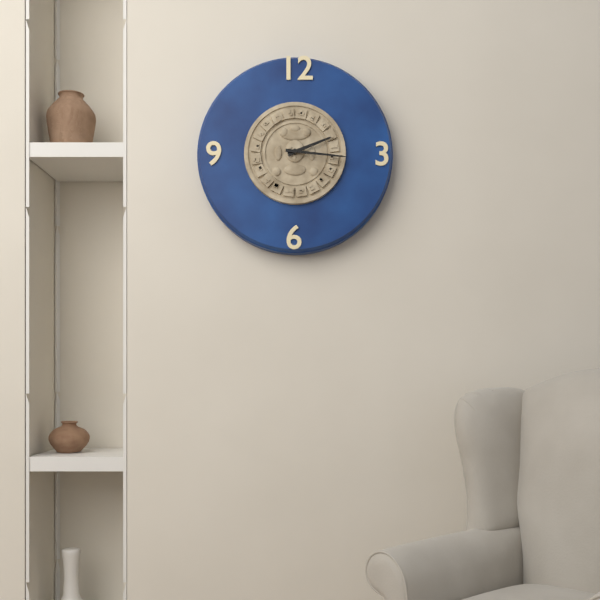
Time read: 2.16
